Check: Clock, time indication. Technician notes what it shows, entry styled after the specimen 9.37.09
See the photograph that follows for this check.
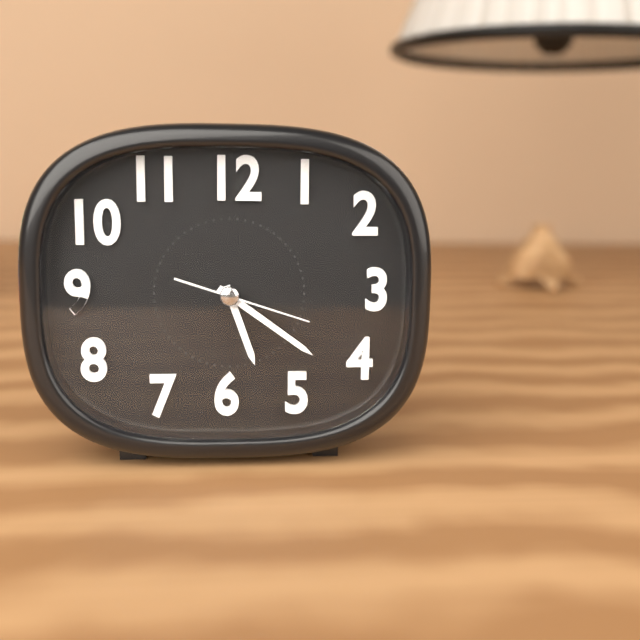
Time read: 5.21.18
